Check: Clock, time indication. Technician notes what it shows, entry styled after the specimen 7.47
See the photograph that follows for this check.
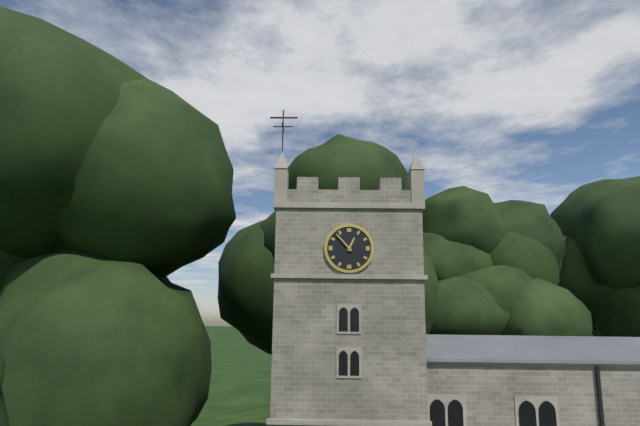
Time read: 12.53
